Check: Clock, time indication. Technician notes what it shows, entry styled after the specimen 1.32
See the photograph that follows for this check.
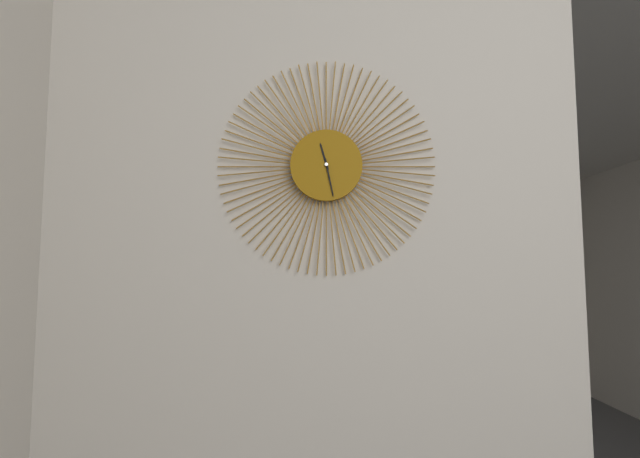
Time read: 11.28
